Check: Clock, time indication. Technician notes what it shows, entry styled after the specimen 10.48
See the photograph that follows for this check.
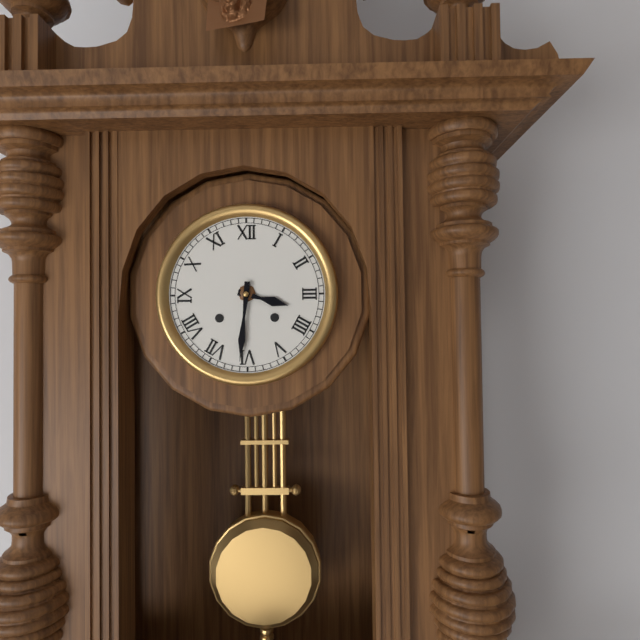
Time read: 3.31
